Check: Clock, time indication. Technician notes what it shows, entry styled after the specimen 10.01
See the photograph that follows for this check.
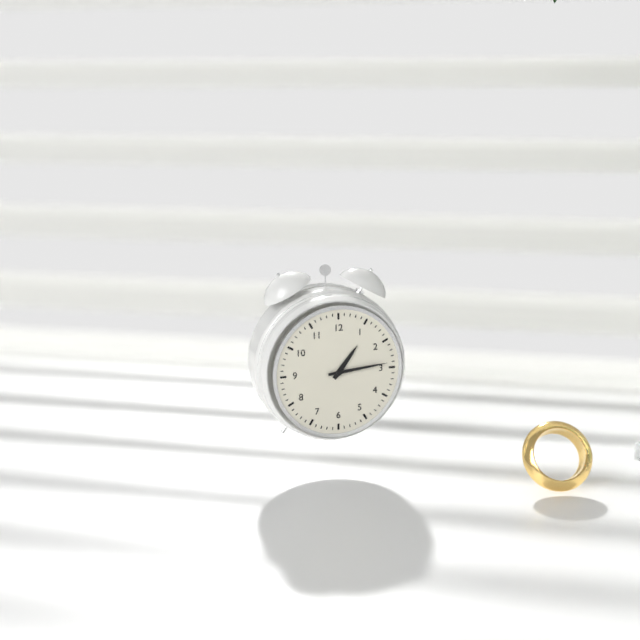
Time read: 1.14
